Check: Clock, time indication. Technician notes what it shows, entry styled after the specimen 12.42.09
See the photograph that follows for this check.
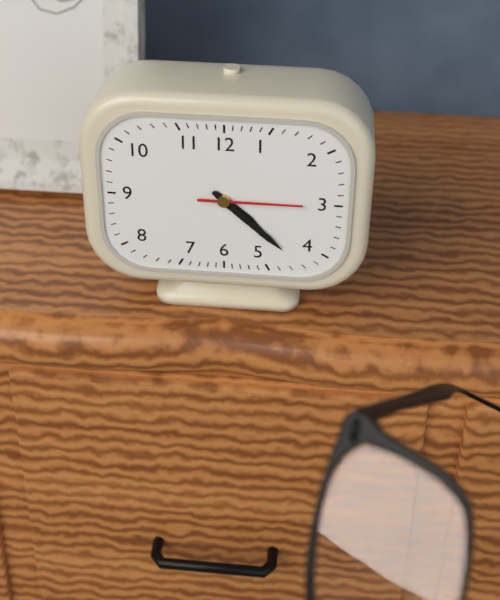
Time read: 4.22.15
